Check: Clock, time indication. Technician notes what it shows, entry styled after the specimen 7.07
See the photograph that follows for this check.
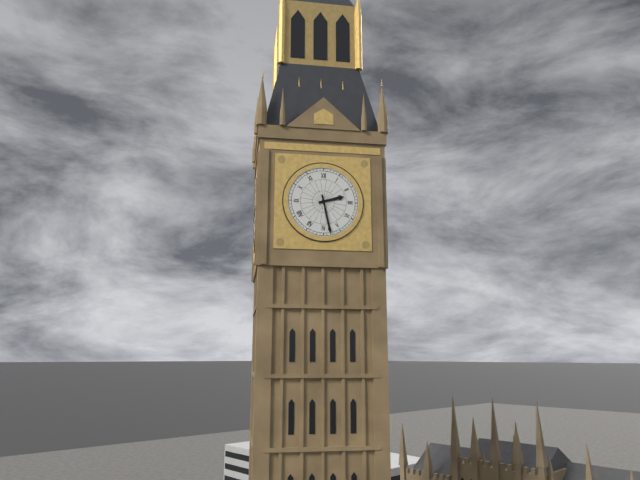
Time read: 2.28
